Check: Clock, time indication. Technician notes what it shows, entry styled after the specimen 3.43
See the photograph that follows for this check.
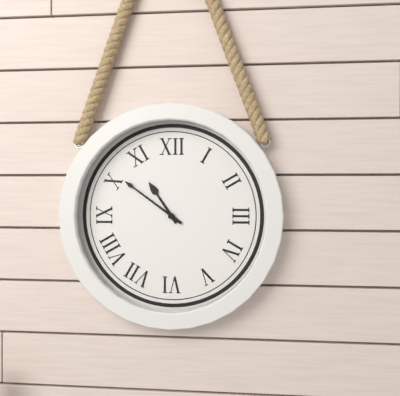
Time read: 10.51
